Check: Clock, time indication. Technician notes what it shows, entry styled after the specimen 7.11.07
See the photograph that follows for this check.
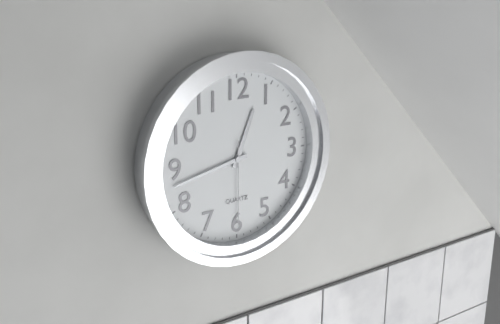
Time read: 12.43.30
